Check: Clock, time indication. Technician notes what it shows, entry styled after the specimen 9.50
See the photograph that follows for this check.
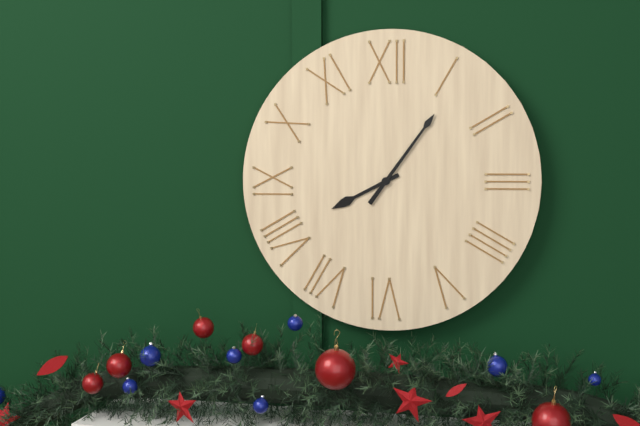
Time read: 8.06
